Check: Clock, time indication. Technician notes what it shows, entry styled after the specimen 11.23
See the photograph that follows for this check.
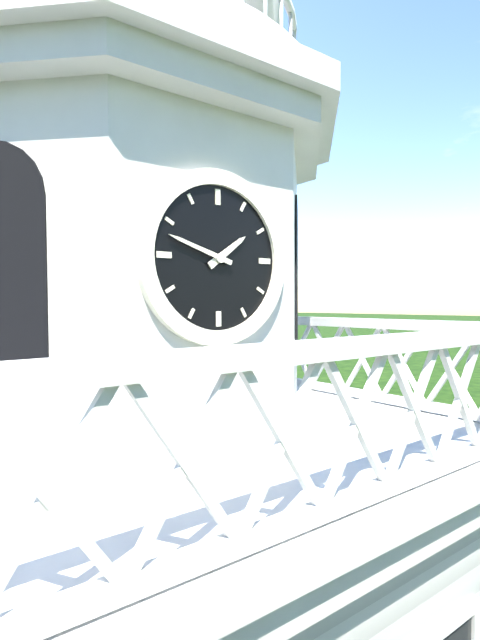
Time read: 1.48
